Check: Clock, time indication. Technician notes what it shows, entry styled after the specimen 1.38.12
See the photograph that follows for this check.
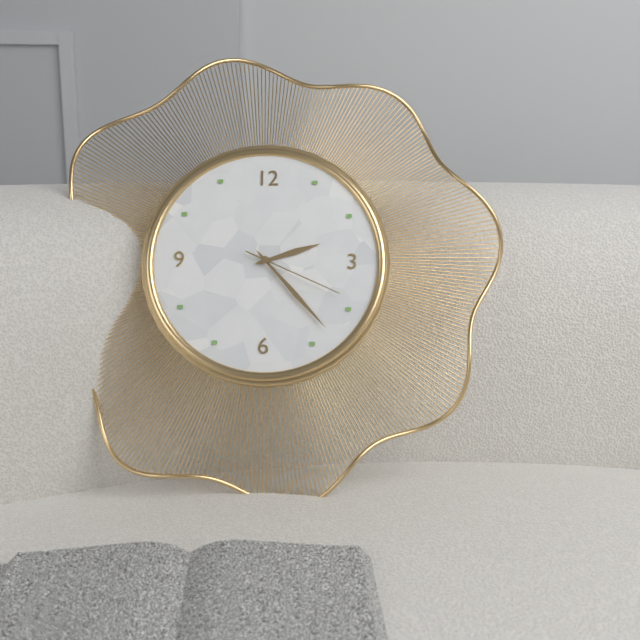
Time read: 2.23.19
